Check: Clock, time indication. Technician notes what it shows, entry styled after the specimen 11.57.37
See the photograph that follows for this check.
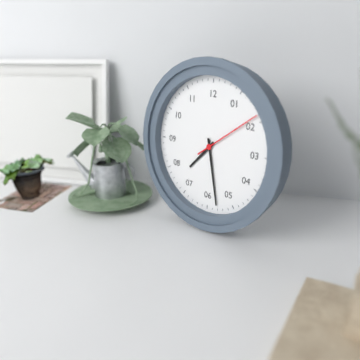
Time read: 7.28.09
